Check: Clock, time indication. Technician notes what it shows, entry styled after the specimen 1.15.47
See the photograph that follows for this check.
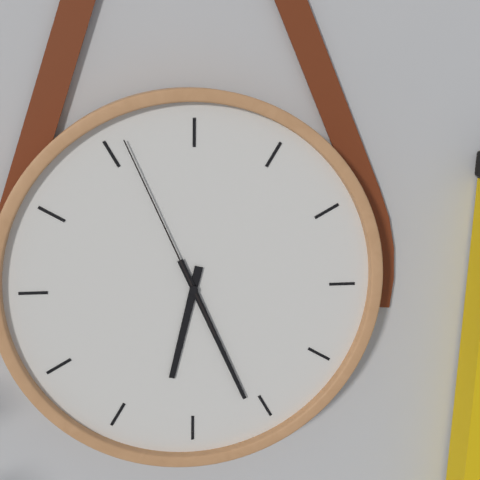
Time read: 6.26.56
